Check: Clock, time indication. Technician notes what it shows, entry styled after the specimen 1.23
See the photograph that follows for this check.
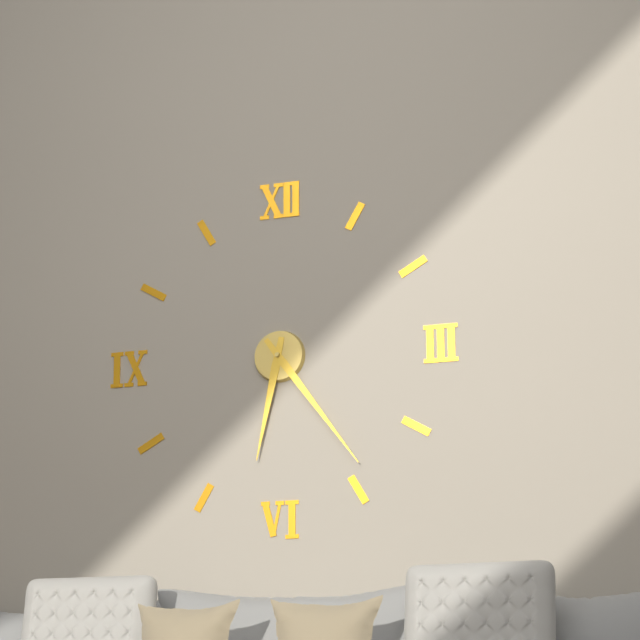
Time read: 6.24
